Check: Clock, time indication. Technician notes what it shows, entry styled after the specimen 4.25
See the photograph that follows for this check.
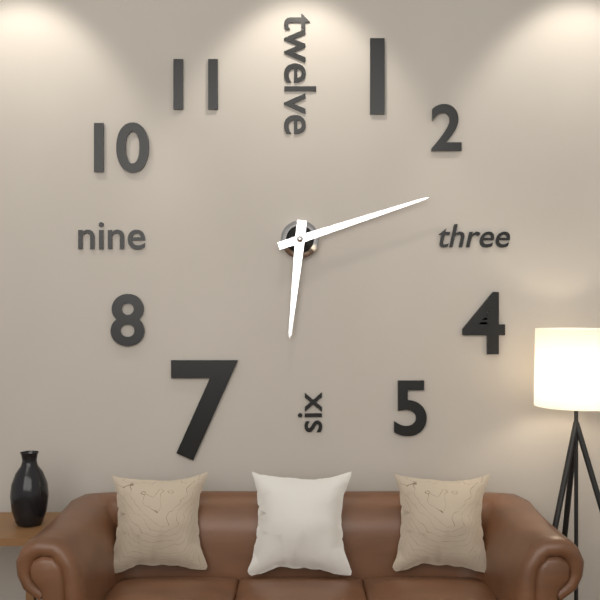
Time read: 6.12
